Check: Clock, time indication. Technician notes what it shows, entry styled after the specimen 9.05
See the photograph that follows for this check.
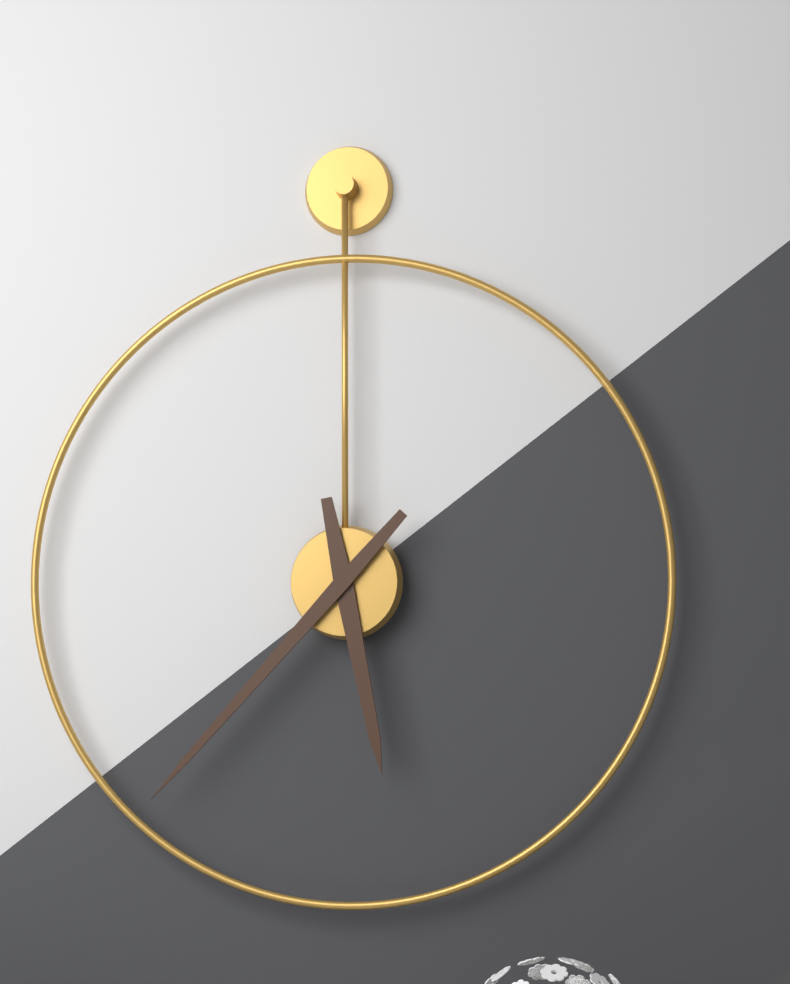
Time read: 5.37
